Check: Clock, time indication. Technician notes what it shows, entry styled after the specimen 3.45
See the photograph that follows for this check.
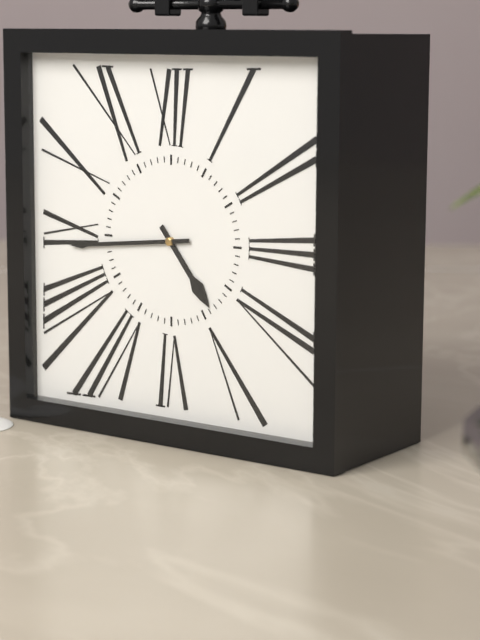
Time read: 4.44
